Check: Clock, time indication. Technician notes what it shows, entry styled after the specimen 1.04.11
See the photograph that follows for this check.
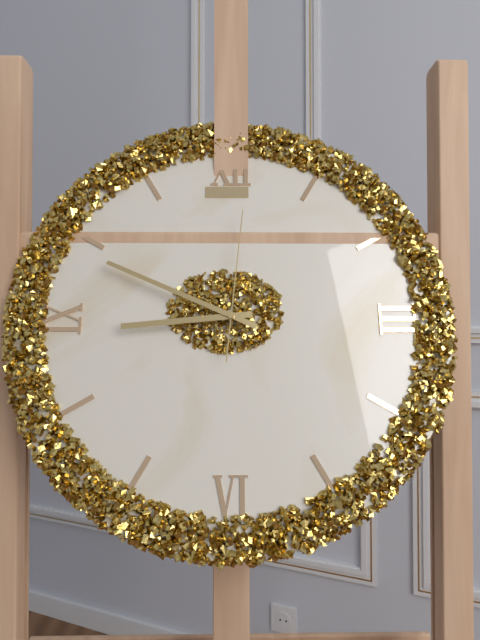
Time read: 8.49.01
